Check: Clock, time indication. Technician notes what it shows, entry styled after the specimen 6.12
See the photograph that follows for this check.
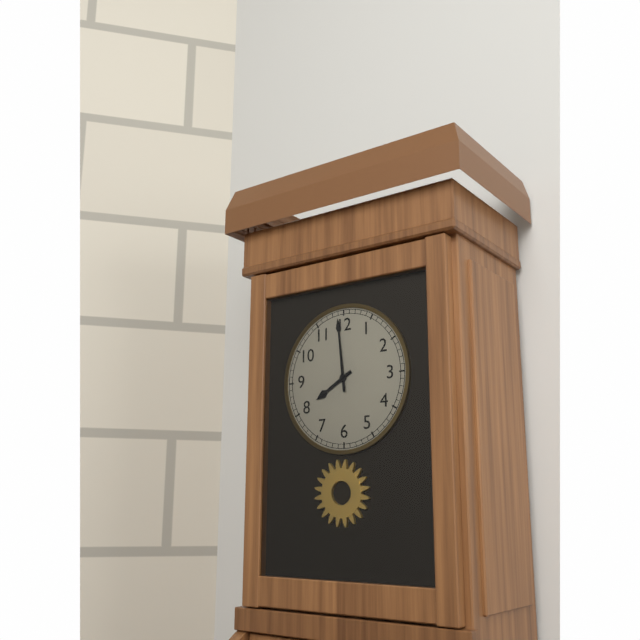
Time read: 7.59
